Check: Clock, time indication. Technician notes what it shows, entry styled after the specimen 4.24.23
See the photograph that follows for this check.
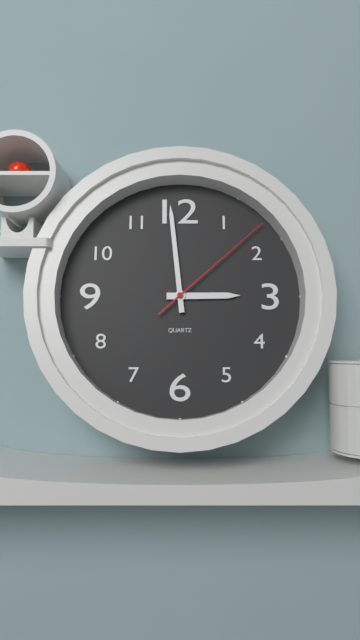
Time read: 2.59.08
